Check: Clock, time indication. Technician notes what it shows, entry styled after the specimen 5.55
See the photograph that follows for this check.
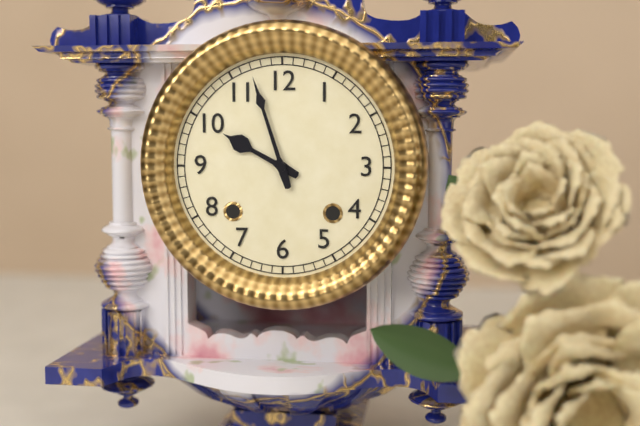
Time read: 9.57
